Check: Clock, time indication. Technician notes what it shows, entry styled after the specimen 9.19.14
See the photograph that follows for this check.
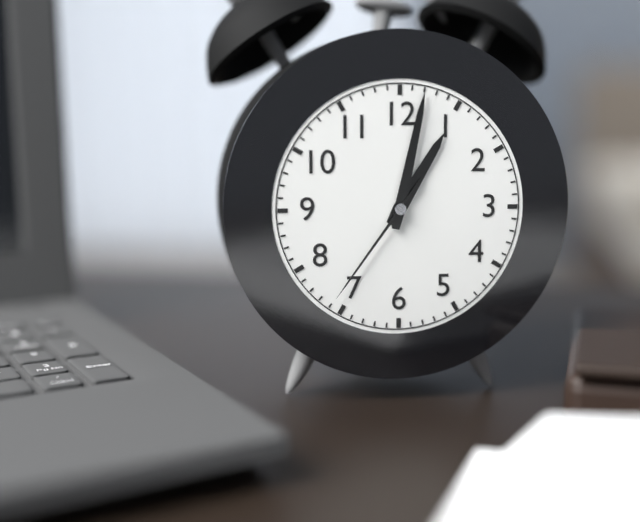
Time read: 1.02.36
